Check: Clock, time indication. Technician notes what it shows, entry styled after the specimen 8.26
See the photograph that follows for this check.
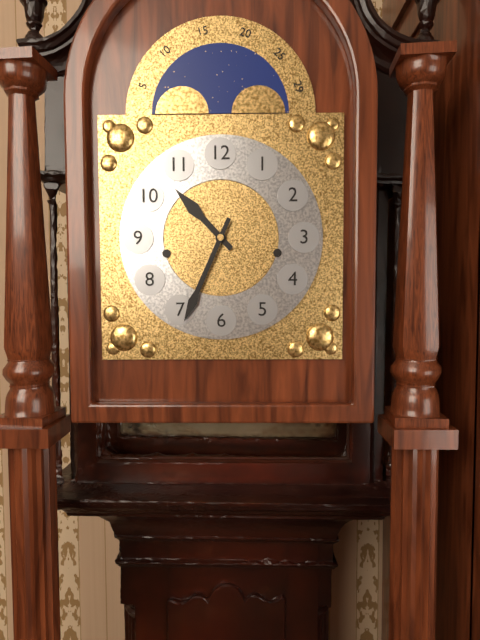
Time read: 10.34
